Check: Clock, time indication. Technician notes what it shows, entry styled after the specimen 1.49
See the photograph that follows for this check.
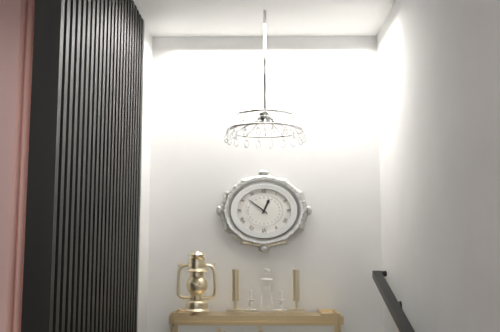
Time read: 12.51
